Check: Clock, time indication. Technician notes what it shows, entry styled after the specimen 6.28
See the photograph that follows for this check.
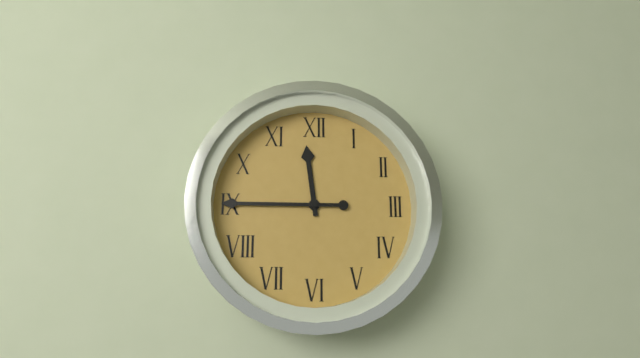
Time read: 11.45
